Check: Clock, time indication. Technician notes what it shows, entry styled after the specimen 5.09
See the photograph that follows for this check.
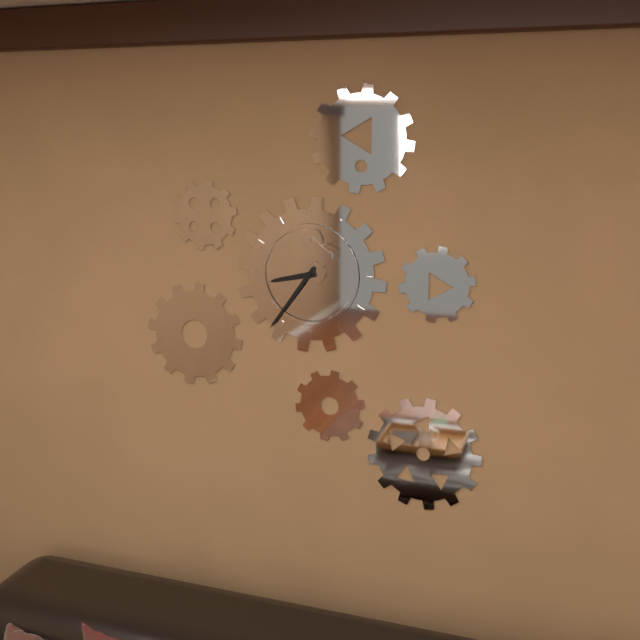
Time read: 8.36
